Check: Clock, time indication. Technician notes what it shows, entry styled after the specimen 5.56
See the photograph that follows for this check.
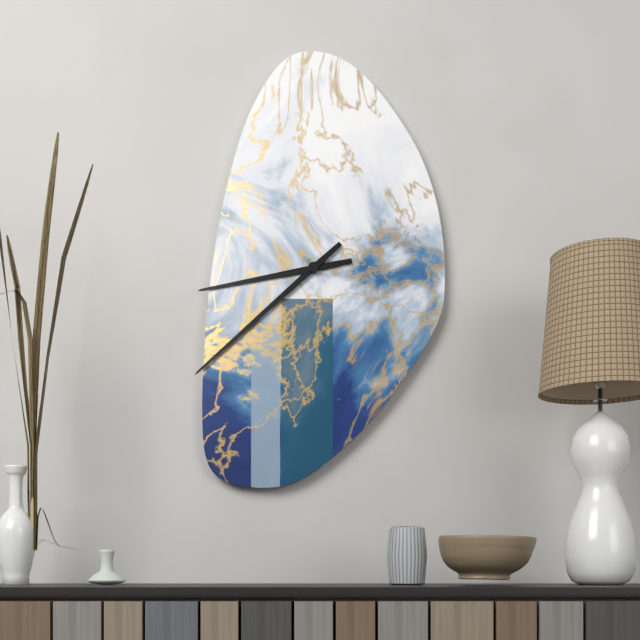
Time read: 8.38
